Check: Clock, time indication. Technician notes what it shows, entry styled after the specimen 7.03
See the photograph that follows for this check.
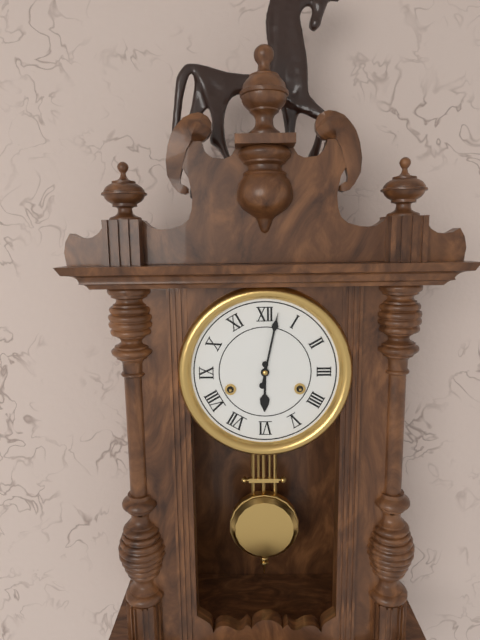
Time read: 6.02
